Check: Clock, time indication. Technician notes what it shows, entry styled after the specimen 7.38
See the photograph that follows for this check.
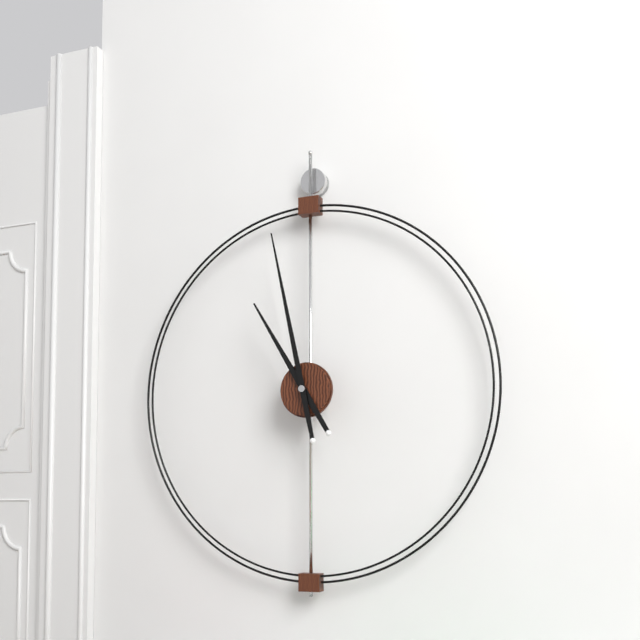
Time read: 10.58
